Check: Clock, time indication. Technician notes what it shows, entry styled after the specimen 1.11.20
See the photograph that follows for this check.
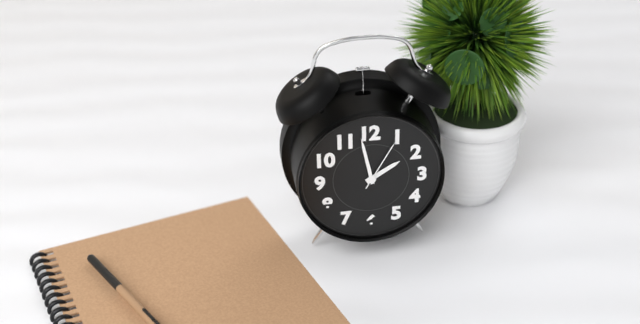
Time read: 1.58.05
